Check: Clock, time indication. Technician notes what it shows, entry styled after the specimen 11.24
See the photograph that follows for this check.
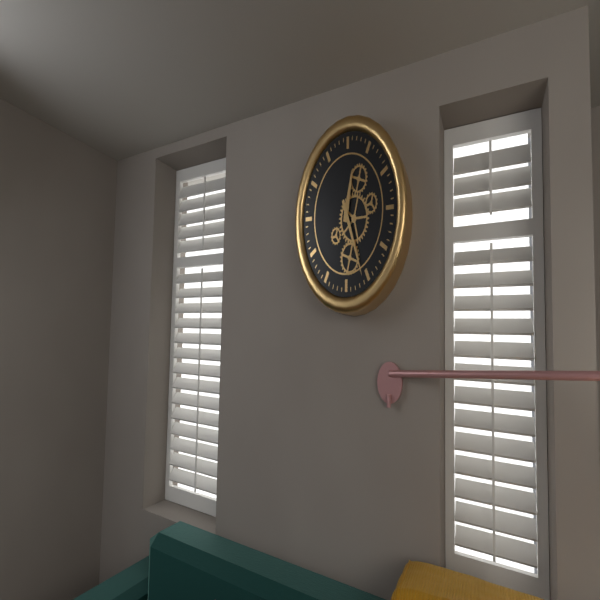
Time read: 12.26
